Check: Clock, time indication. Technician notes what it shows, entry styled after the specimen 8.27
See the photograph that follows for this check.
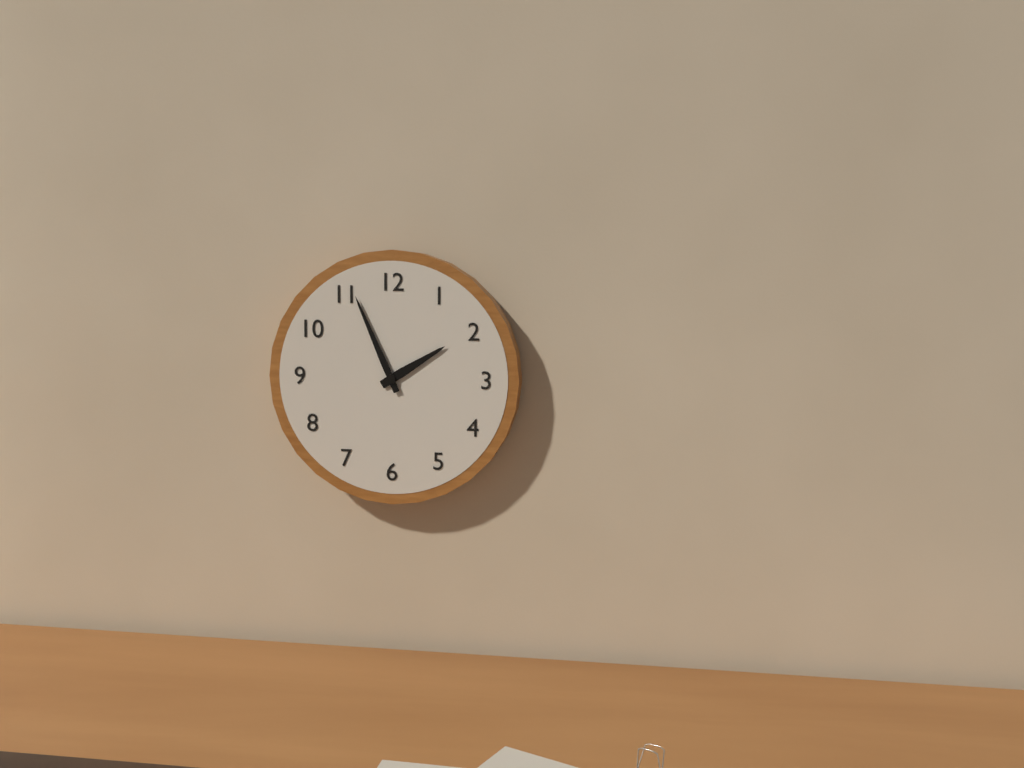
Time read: 1.56
